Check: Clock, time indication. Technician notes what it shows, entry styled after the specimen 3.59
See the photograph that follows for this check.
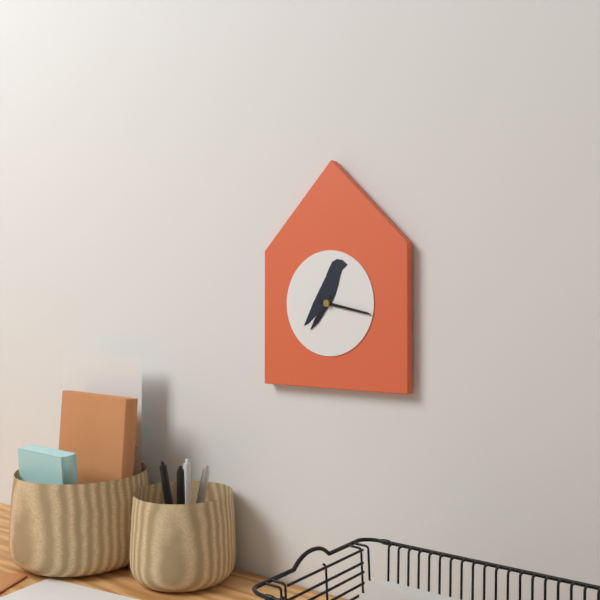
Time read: 7.17
